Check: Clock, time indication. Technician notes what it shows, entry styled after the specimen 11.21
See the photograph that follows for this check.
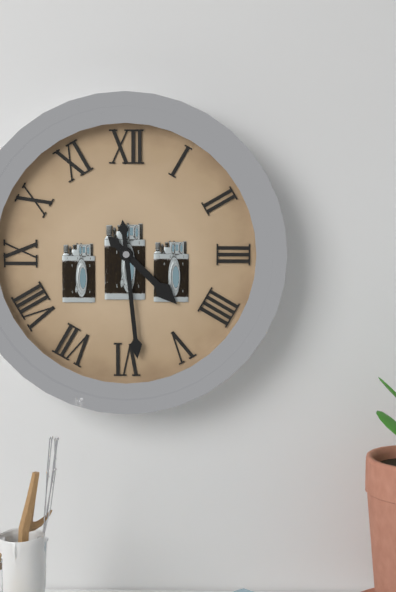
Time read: 4.29
